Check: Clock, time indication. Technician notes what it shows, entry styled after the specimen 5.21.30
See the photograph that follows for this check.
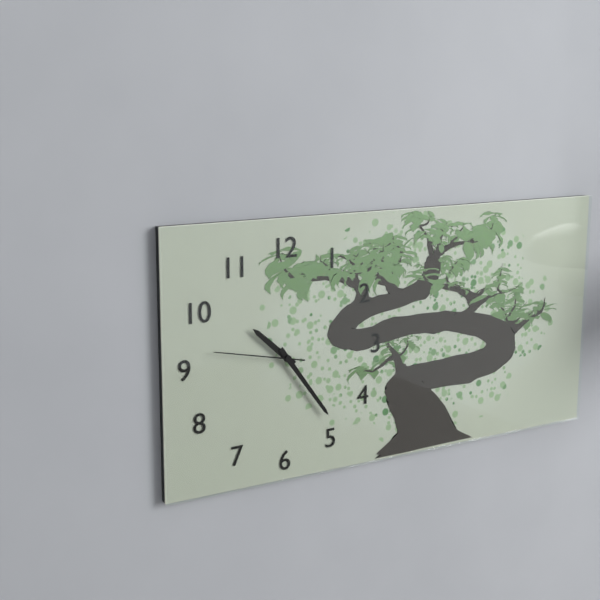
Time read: 10.24.47
